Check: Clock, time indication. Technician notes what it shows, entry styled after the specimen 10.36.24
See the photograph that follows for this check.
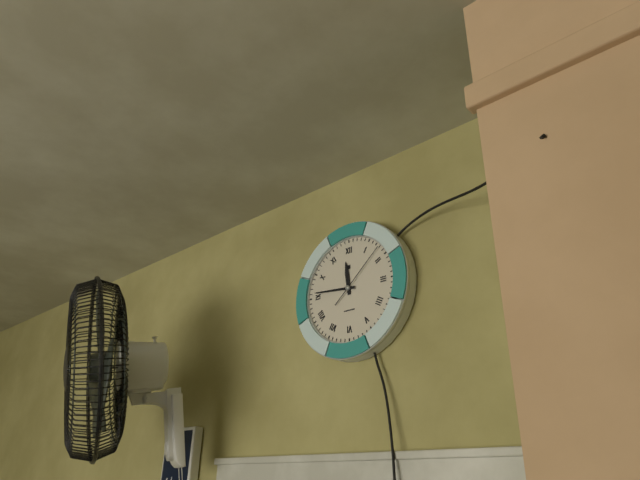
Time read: 11.46.08
